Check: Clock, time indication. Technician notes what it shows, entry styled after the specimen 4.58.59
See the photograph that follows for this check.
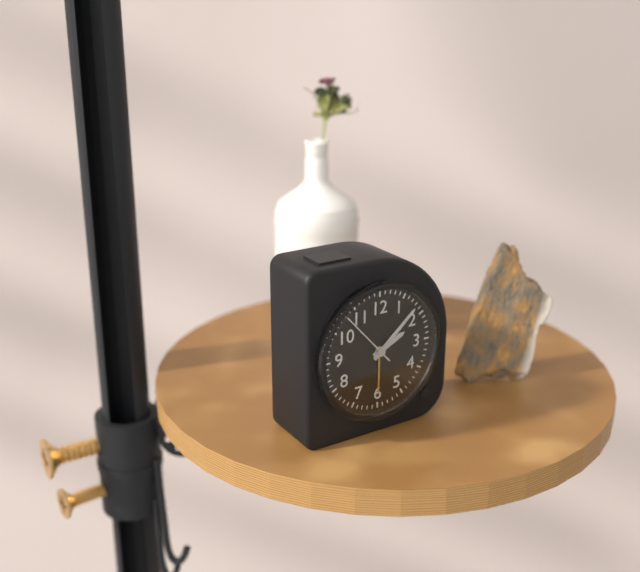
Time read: 2.08.53
